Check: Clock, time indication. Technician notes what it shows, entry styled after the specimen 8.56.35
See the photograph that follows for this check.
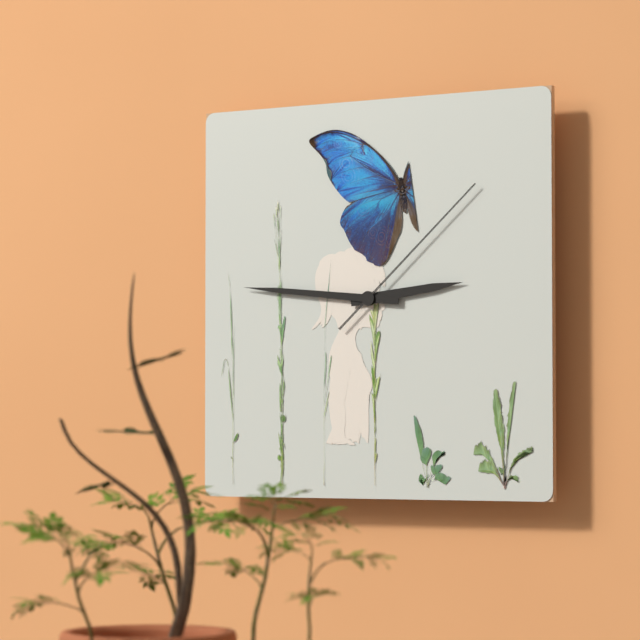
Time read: 2.46.08
